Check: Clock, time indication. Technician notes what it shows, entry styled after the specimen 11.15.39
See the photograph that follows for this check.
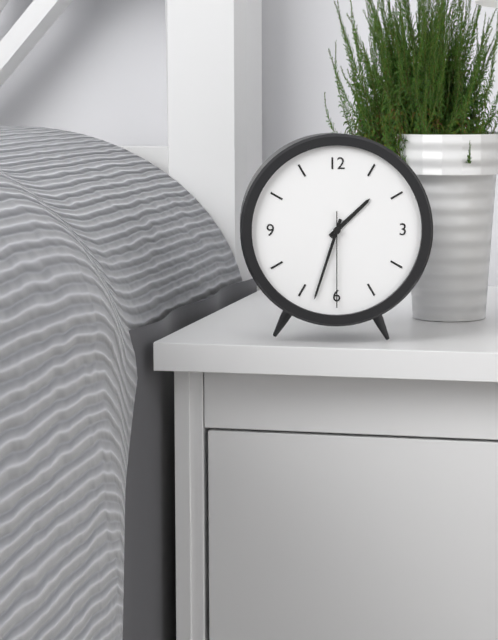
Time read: 1.33.30
